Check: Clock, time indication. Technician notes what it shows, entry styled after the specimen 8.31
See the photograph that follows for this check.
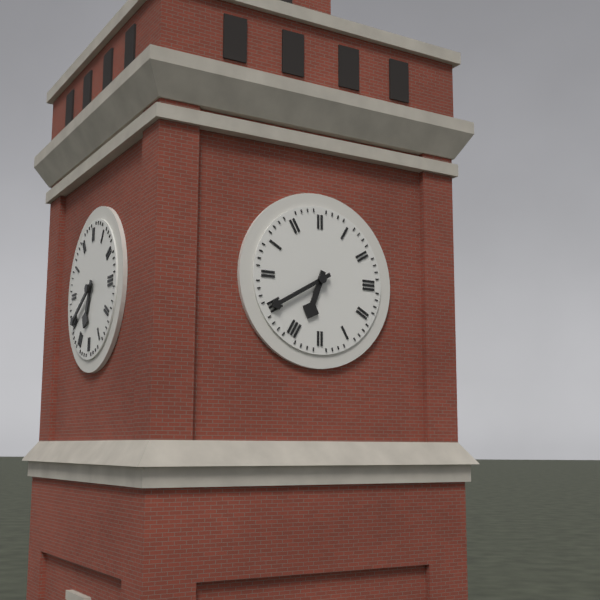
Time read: 6.40
